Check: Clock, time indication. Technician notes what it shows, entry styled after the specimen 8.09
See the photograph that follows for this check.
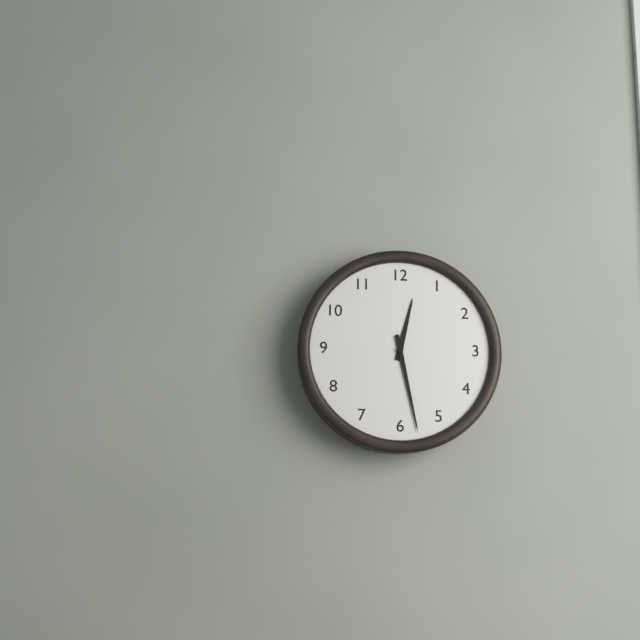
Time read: 12.28
